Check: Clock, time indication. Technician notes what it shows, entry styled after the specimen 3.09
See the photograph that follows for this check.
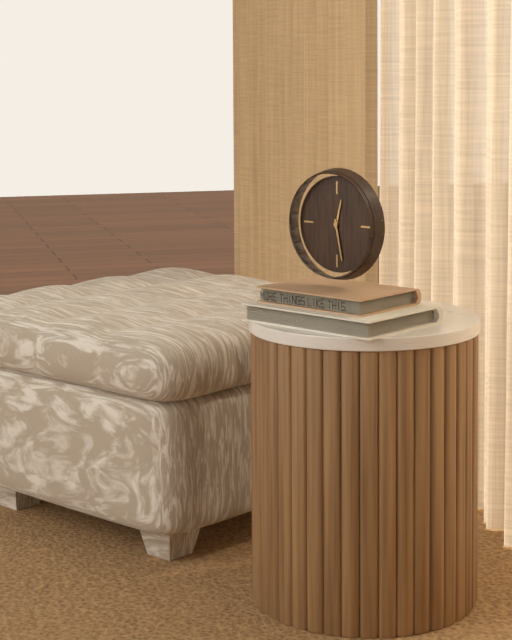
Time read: 12.28
